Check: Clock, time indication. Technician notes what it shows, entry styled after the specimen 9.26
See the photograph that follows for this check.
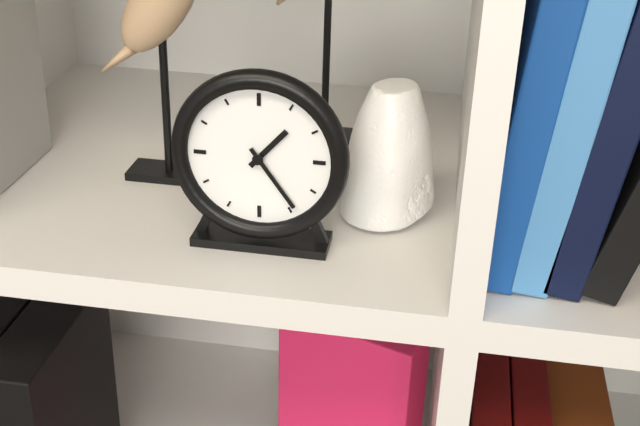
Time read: 1.24
